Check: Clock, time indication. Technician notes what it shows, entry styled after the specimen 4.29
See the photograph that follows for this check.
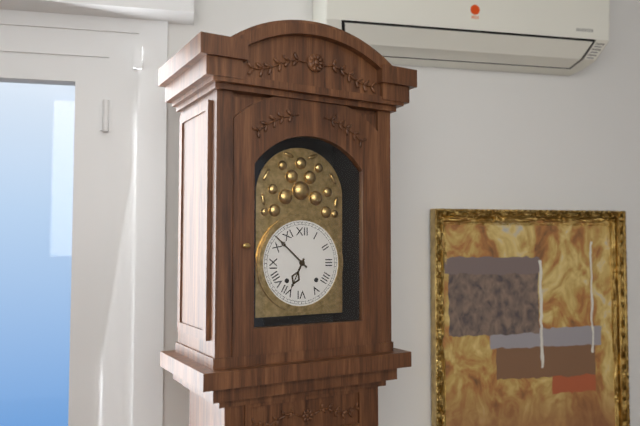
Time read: 6.52
